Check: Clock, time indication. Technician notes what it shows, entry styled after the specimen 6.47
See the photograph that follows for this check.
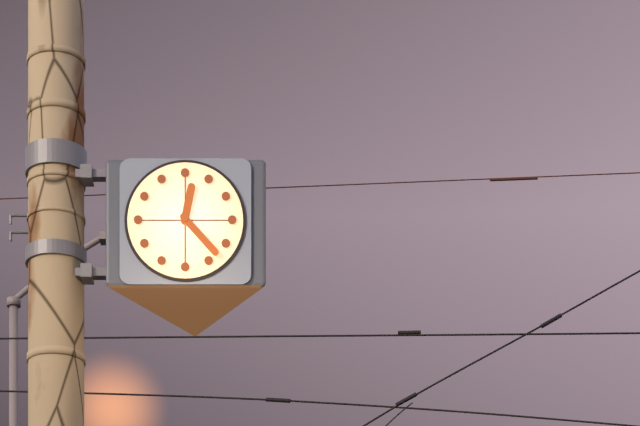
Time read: 12.23
